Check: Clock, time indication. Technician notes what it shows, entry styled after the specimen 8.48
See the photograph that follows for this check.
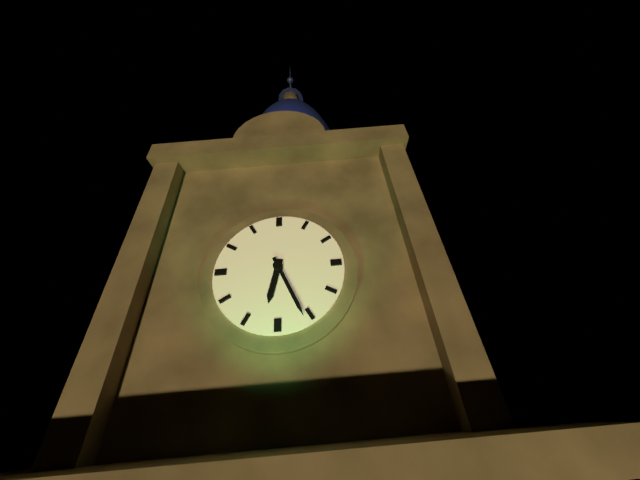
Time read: 6.26
